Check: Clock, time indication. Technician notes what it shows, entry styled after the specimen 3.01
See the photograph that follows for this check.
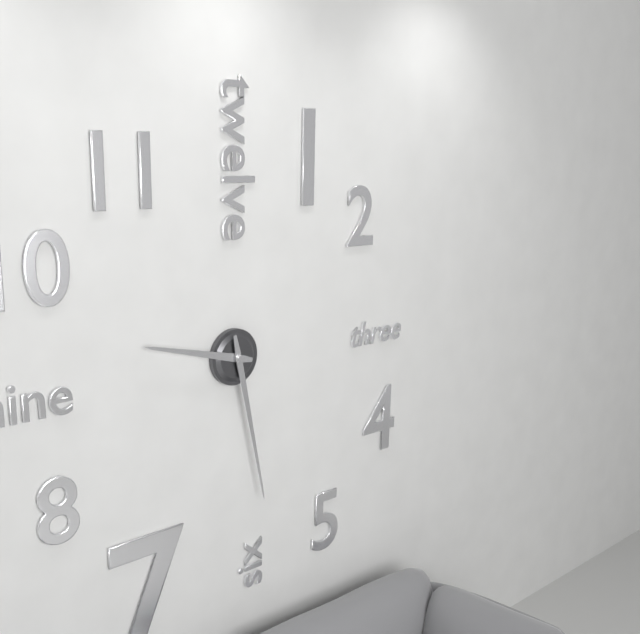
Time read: 9.28
